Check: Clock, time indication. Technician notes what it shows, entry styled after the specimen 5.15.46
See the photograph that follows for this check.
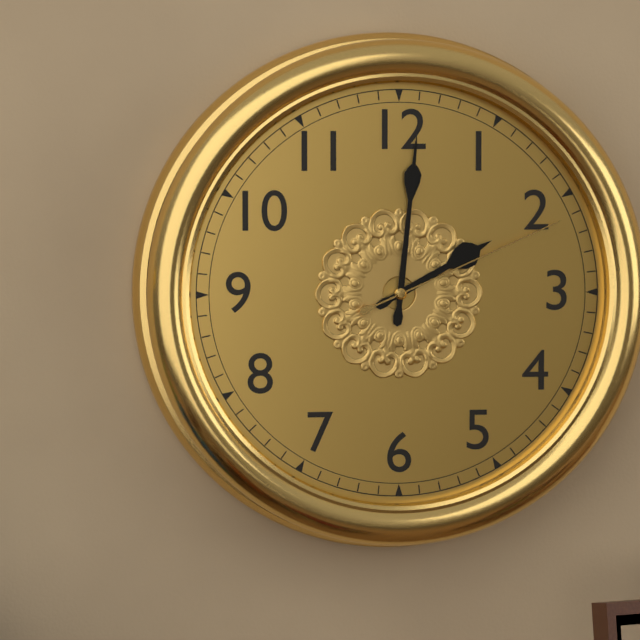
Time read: 2.01.11
